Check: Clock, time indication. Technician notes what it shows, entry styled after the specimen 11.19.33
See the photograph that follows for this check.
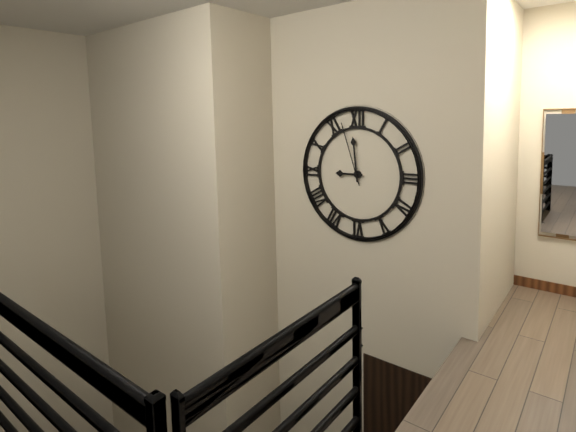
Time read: 8.59.57
